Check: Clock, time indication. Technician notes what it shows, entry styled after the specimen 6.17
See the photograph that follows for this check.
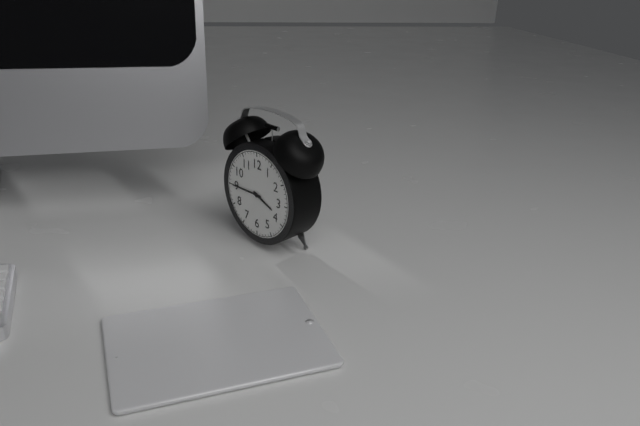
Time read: 3.45
